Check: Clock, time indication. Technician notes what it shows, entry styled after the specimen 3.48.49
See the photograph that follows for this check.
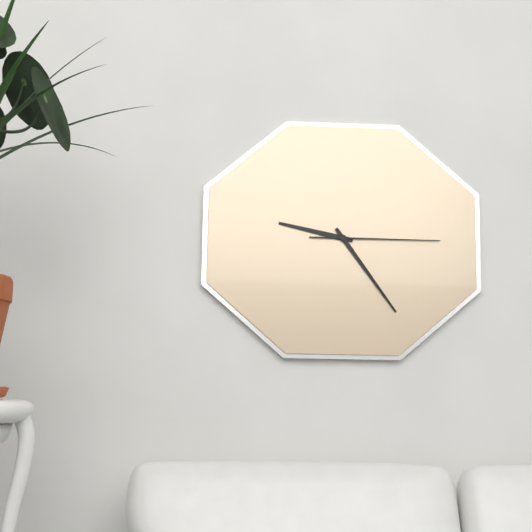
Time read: 9.24.15
